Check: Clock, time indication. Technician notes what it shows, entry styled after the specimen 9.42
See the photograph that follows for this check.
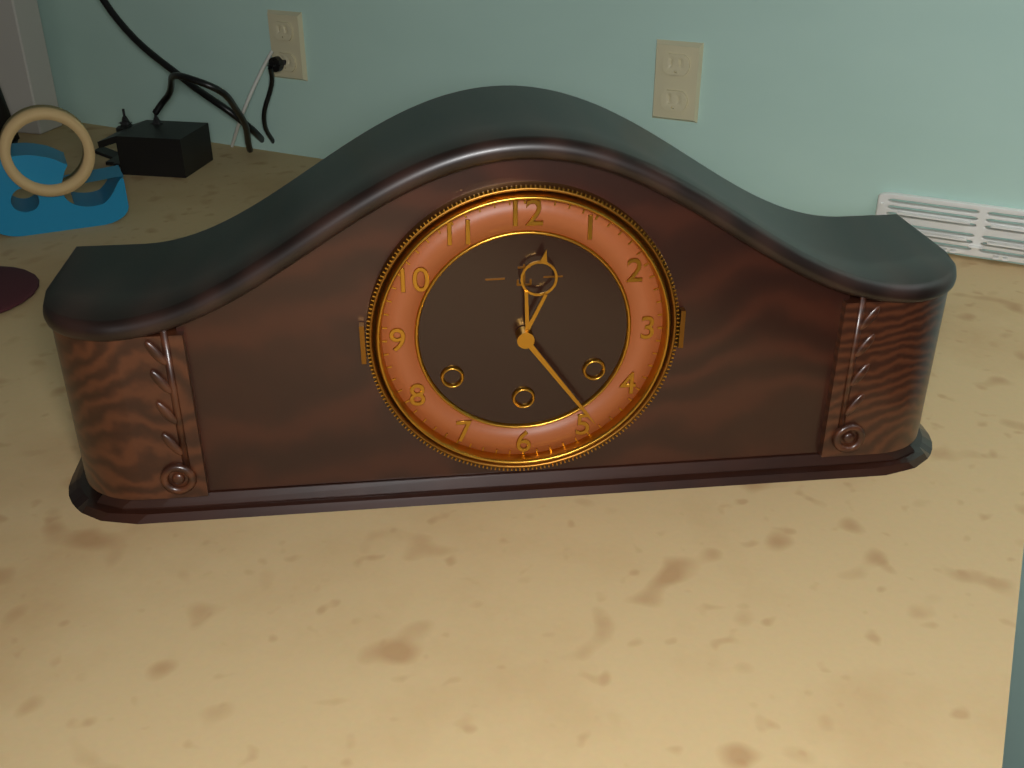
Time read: 12.24
